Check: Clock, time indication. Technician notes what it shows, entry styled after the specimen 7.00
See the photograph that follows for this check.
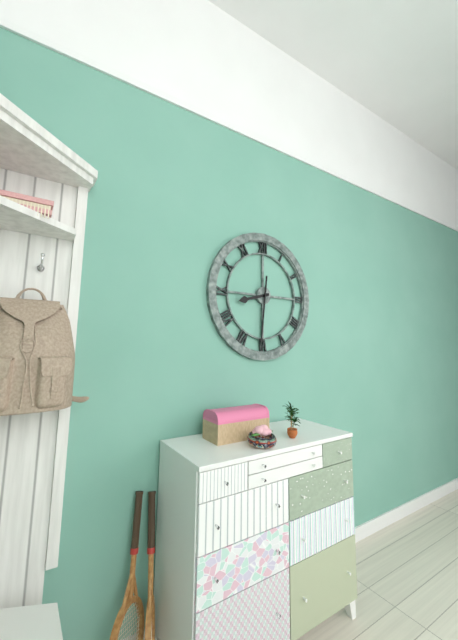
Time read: 8.31
